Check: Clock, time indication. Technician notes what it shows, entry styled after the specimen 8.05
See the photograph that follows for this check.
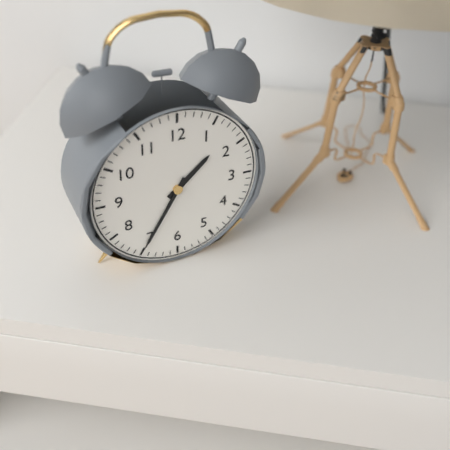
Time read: 1.35
